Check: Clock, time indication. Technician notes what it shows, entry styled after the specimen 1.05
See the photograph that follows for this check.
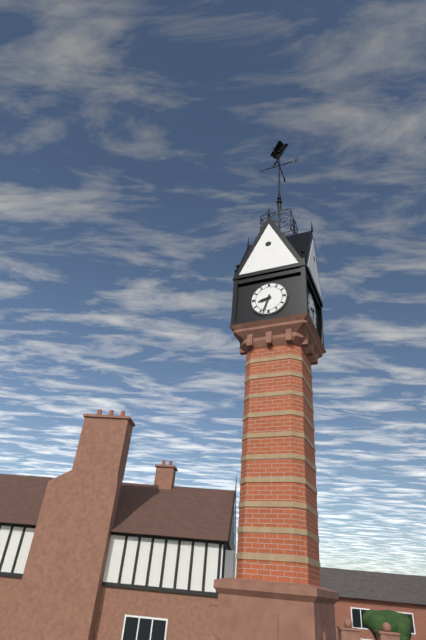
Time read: 8.33
